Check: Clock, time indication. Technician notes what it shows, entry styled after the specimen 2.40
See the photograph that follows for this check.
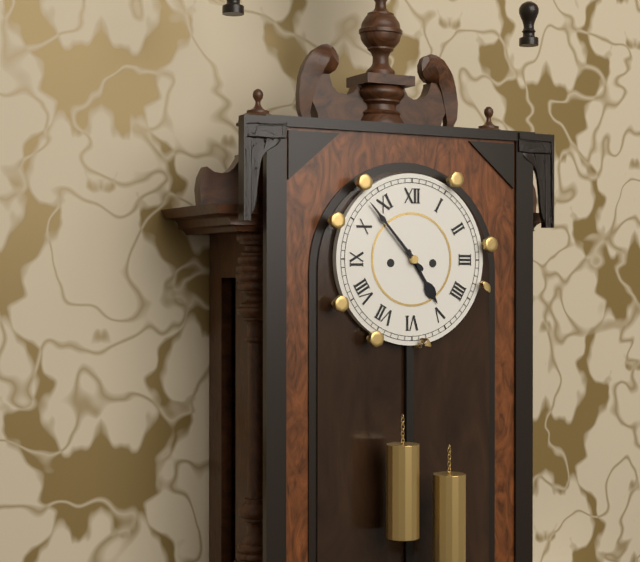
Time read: 4.53
